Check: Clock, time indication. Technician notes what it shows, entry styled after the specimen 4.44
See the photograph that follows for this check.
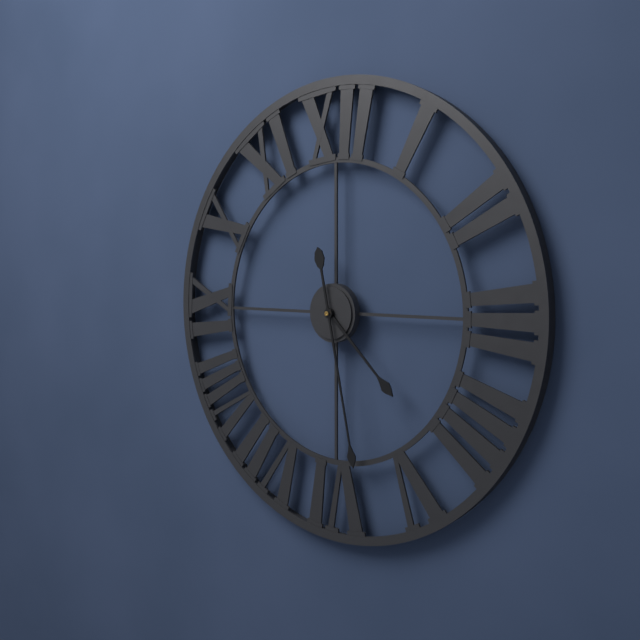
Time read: 4.28
